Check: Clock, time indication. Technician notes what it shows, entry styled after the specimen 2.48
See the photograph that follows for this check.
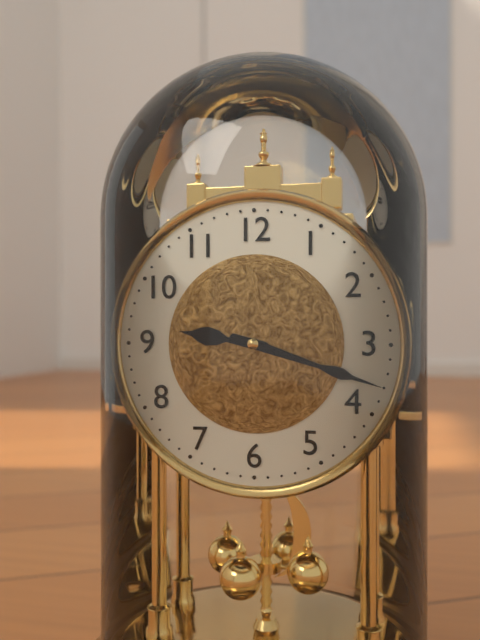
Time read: 9.18
